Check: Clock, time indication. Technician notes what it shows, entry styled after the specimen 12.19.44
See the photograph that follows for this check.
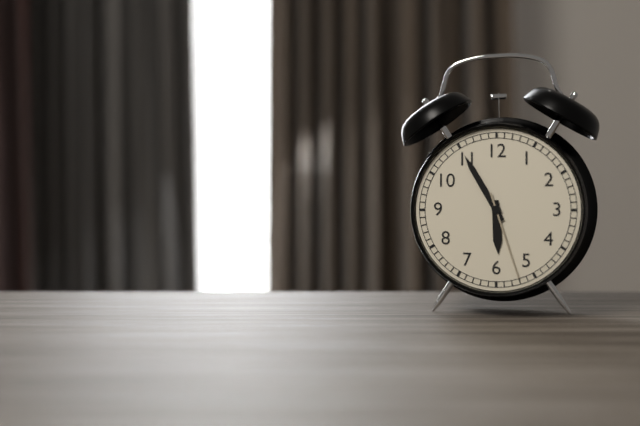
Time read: 5.55.27
